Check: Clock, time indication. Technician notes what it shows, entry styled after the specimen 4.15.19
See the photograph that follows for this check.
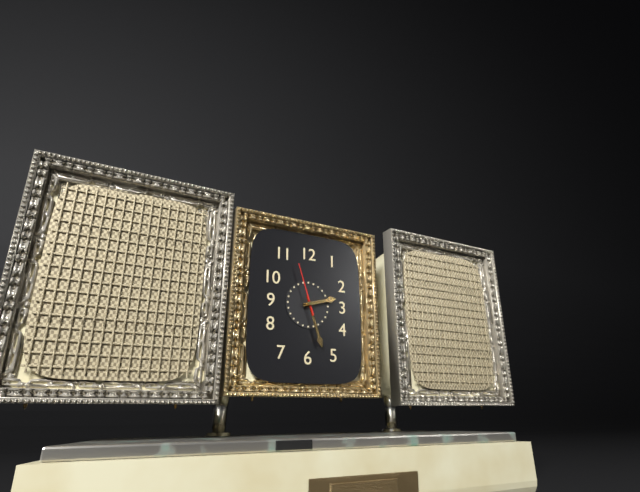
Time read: 2.27.57
